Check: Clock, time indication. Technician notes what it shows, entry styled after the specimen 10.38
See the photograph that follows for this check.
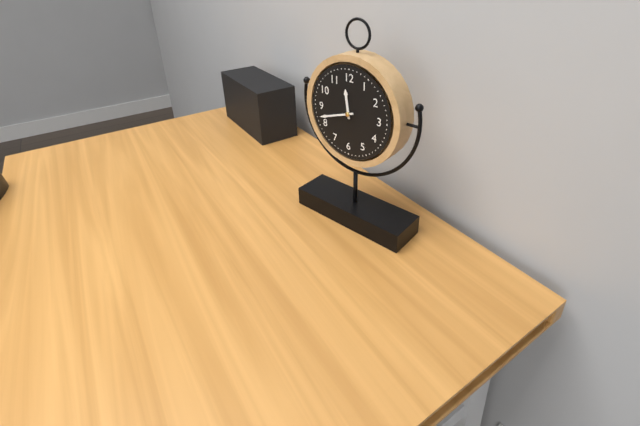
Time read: 11.42
